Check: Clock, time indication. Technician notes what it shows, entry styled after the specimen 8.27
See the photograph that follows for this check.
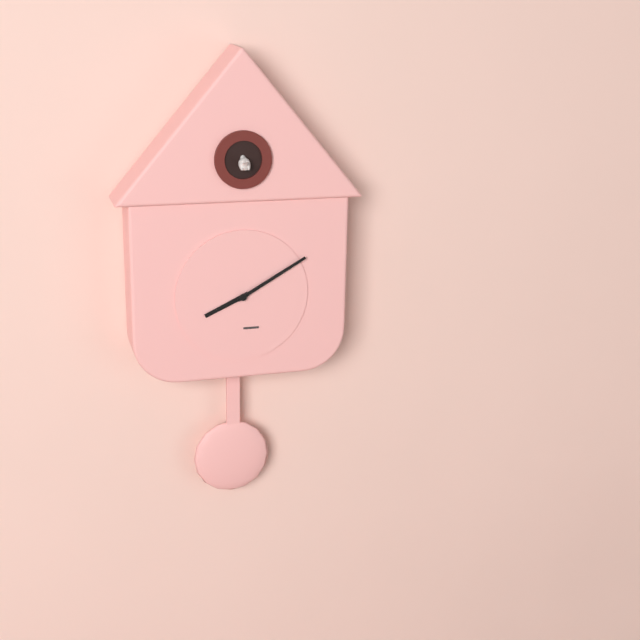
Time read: 8.10
